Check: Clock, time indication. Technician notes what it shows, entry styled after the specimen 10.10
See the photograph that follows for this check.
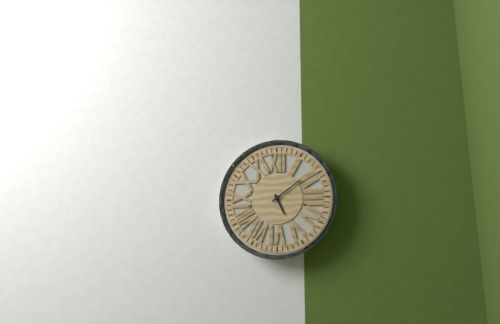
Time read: 5.09
